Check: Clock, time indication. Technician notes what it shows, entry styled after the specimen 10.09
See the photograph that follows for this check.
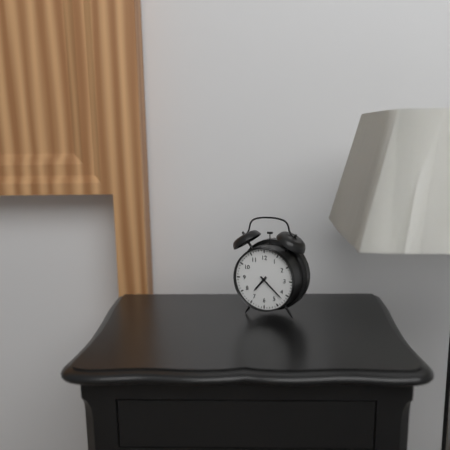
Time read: 7.22
